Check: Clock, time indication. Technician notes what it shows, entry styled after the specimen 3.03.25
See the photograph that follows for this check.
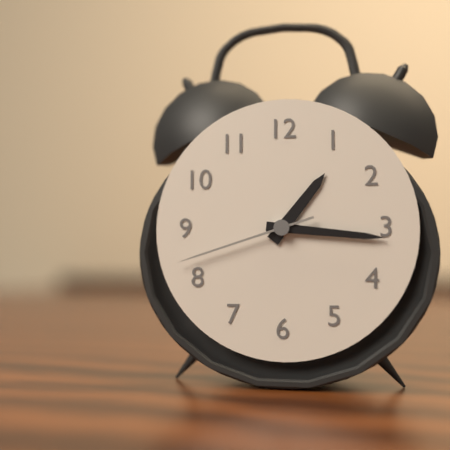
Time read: 1.16.42
